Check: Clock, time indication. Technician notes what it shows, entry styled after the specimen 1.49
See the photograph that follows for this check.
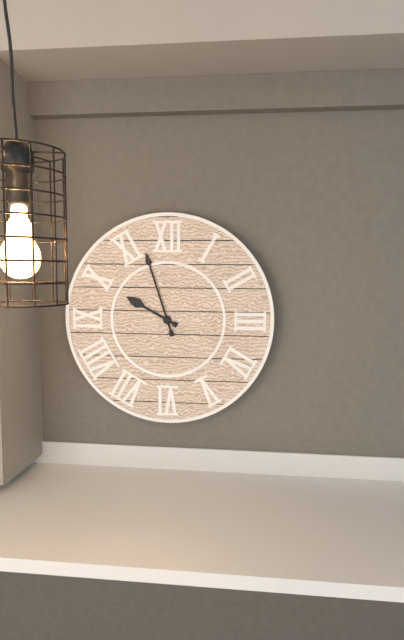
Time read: 9.57
